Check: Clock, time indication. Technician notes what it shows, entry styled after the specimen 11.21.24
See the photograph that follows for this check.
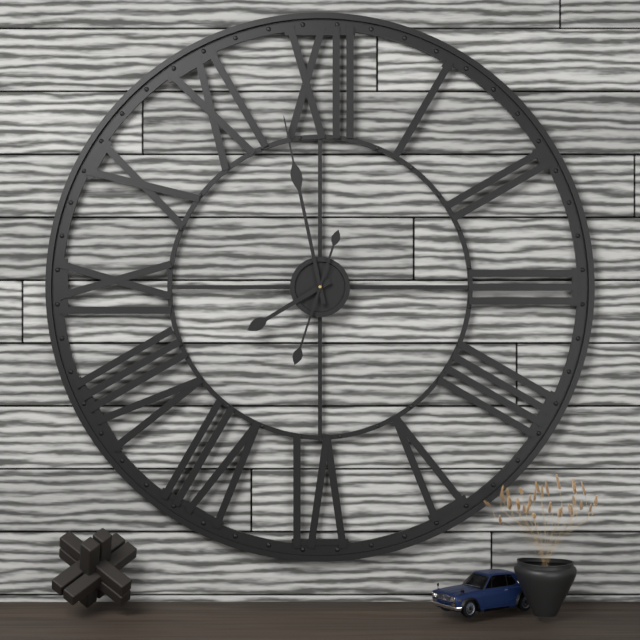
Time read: 7.58.33
